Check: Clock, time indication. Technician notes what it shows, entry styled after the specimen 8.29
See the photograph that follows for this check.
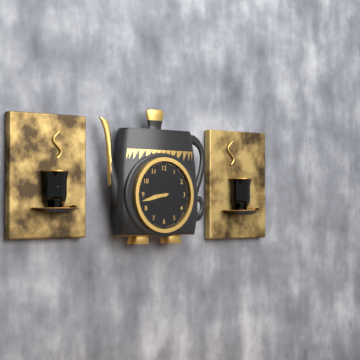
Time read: 8.43
